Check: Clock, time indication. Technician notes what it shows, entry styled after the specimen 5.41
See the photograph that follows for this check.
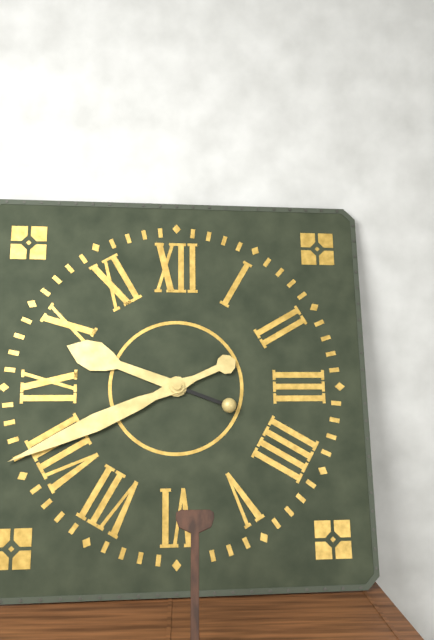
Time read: 9.41
